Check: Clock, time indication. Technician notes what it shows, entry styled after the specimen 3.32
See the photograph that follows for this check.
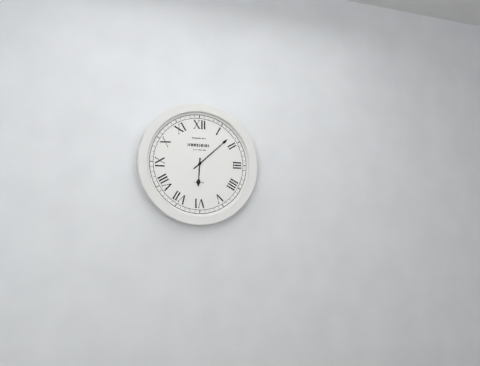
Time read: 6.08
